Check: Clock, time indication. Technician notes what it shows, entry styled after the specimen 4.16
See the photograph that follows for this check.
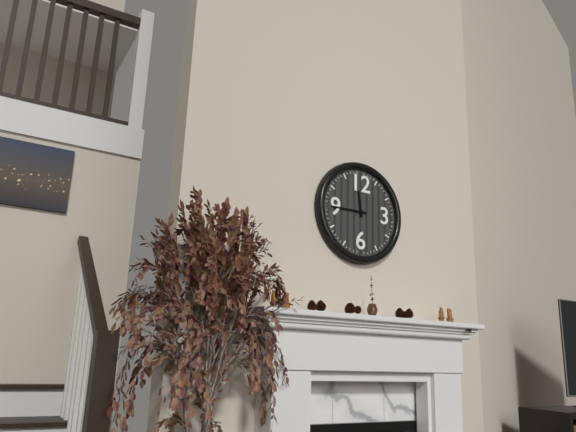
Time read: 11.45
